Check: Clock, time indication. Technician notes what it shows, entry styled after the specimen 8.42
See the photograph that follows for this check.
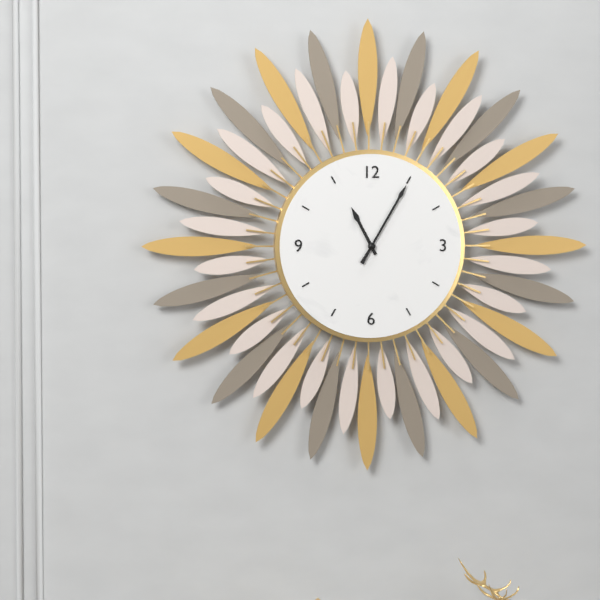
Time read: 11.05
